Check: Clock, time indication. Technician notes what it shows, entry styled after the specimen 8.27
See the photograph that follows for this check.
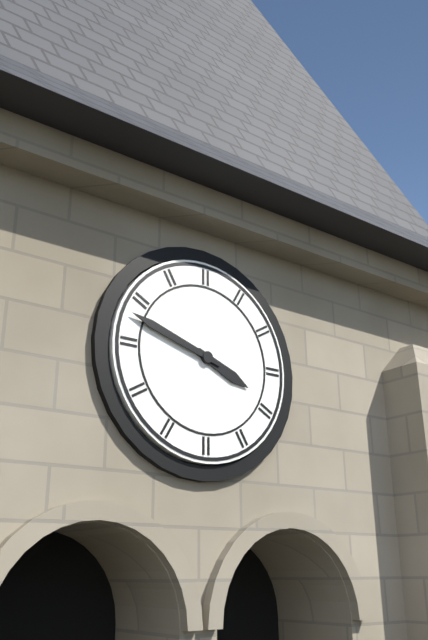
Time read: 3.48
